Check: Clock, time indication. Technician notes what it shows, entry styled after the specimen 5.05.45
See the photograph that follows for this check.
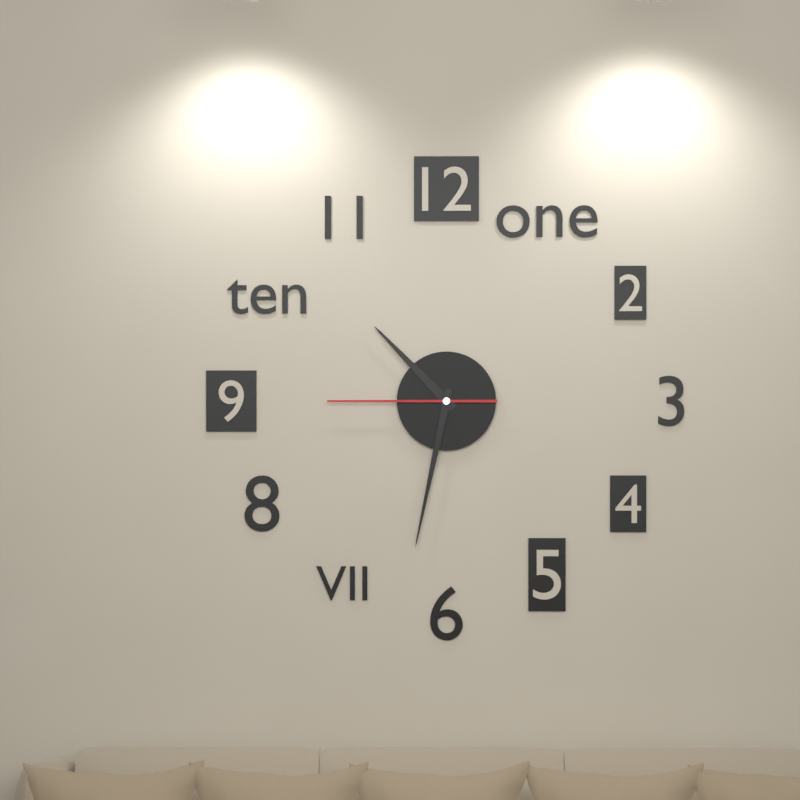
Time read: 10.32.45
